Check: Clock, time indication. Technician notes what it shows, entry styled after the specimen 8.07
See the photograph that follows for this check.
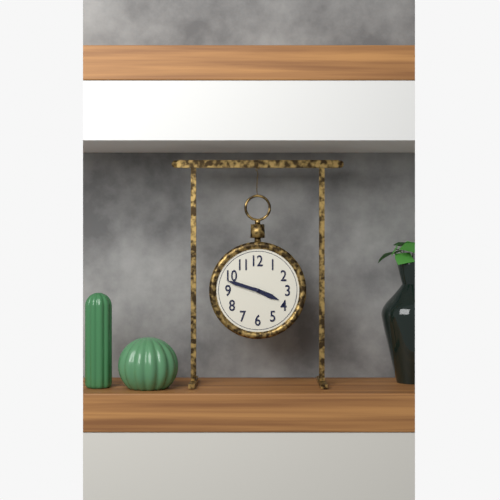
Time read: 3.48
